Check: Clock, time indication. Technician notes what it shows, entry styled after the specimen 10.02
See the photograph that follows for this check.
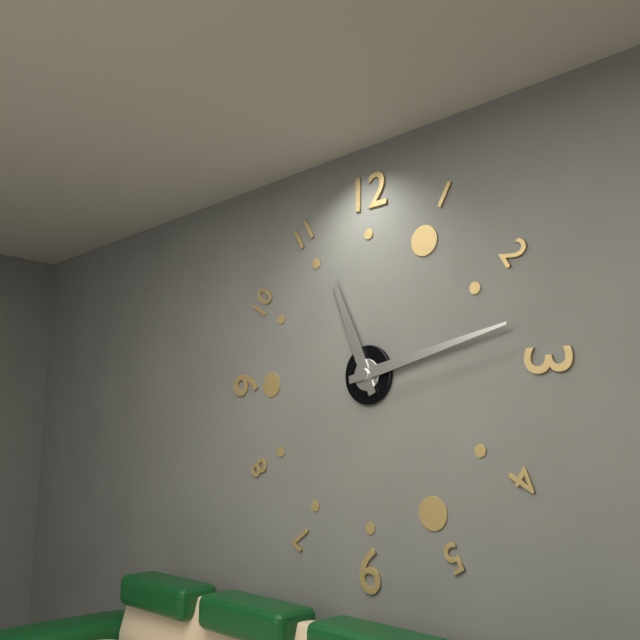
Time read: 11.13
